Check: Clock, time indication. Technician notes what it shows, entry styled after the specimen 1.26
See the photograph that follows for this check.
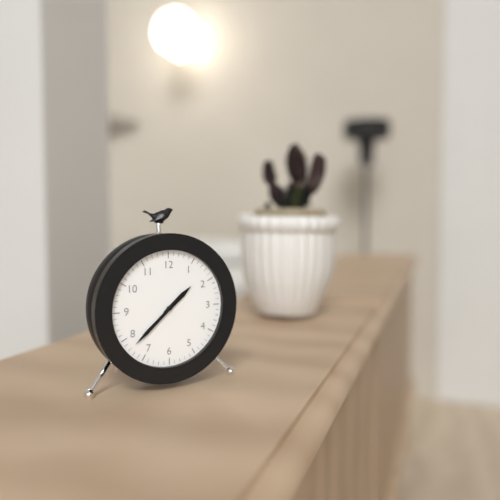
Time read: 1.38
